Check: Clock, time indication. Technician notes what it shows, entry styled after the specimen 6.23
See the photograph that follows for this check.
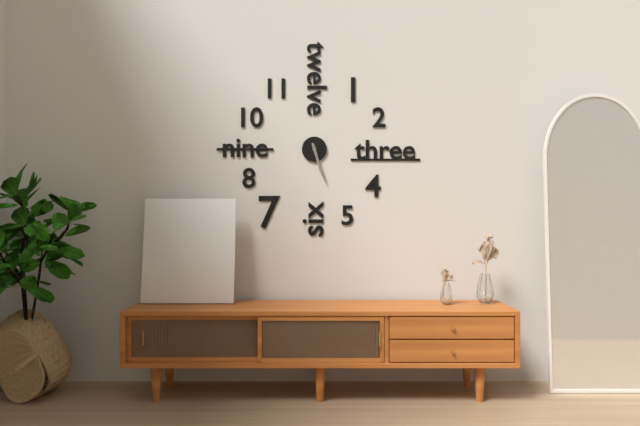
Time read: 5.27
